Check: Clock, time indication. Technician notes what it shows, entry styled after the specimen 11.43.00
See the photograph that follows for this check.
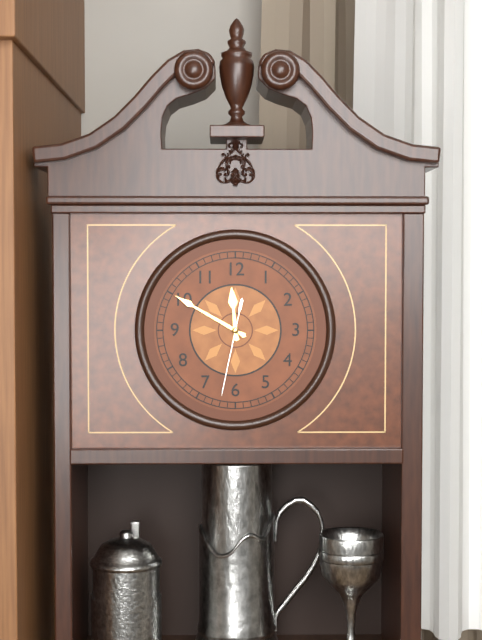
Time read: 11.50.32
